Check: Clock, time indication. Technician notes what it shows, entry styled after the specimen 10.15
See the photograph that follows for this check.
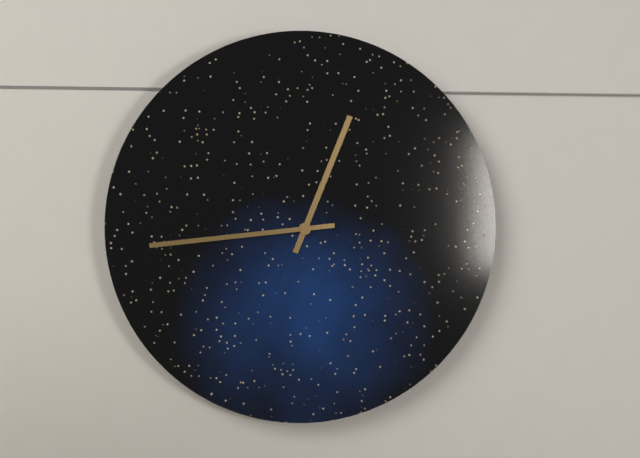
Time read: 12.44
